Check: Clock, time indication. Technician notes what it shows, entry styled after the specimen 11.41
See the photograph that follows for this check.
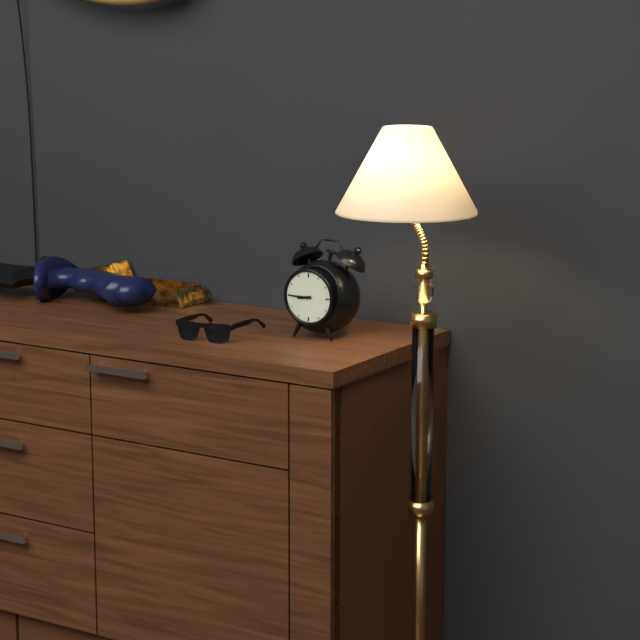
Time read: 8.45
